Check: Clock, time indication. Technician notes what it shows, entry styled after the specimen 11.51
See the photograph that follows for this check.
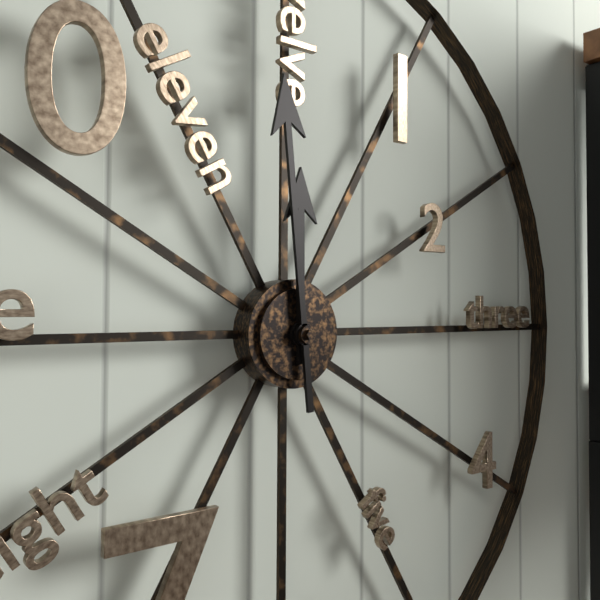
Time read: 11.59
